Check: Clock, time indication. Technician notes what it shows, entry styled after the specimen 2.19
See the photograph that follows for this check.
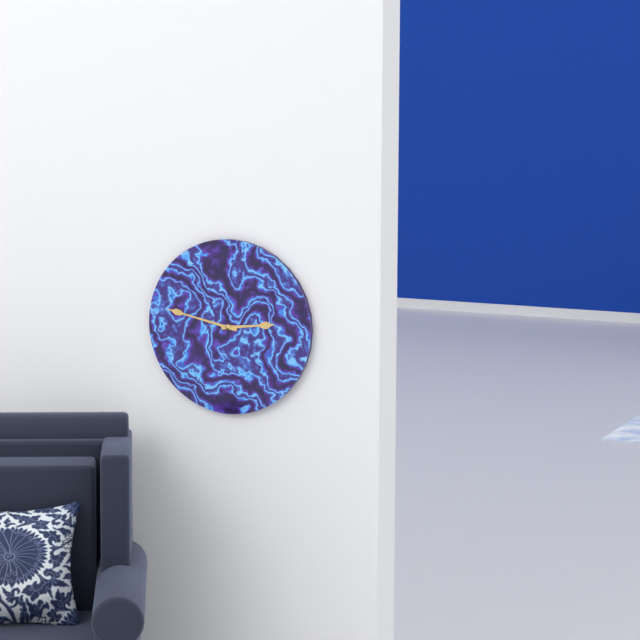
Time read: 2.47
